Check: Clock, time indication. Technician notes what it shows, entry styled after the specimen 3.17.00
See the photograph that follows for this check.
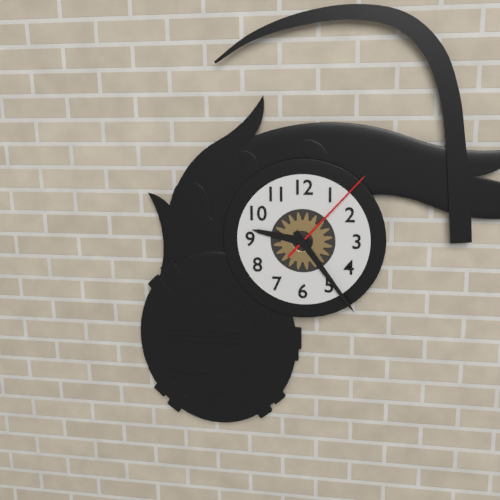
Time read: 9.24.07
